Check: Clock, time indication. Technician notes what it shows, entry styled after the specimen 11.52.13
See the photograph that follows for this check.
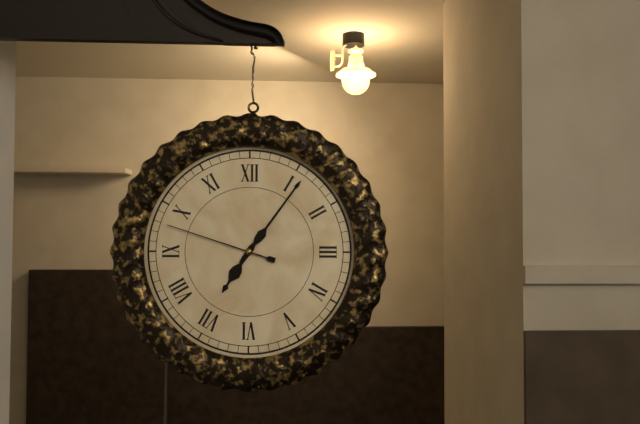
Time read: 7.06.48
